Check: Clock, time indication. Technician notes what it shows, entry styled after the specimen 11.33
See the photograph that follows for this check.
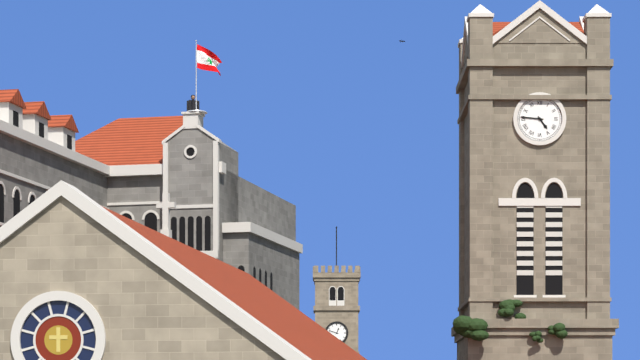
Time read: 4.46
